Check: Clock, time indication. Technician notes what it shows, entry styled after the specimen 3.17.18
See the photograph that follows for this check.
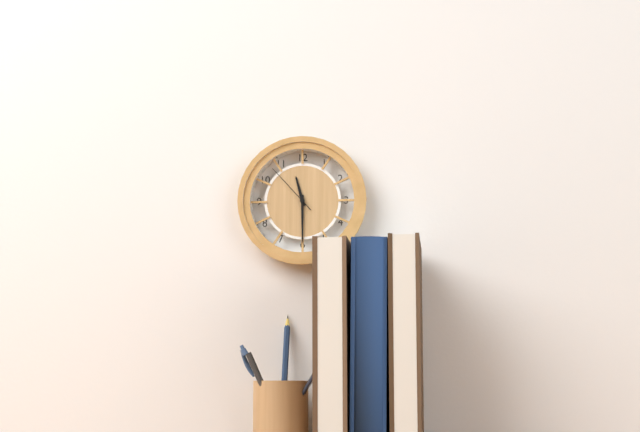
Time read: 11.30.53
